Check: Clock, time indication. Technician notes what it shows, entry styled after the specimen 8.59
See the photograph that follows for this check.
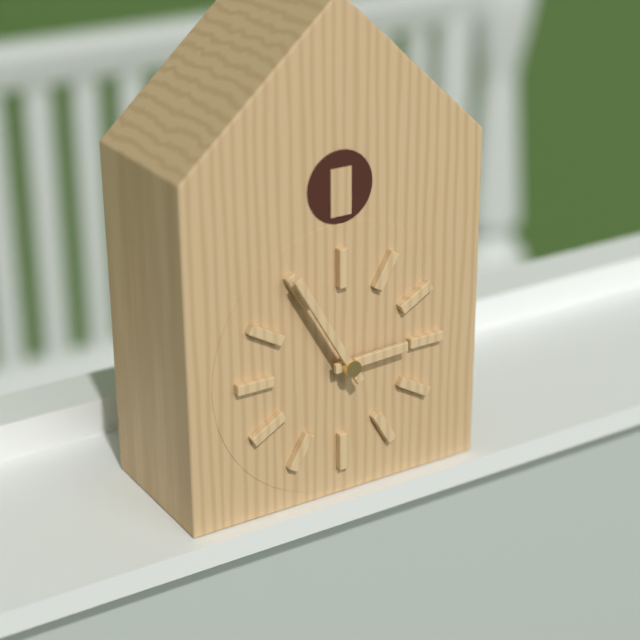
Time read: 2.55
